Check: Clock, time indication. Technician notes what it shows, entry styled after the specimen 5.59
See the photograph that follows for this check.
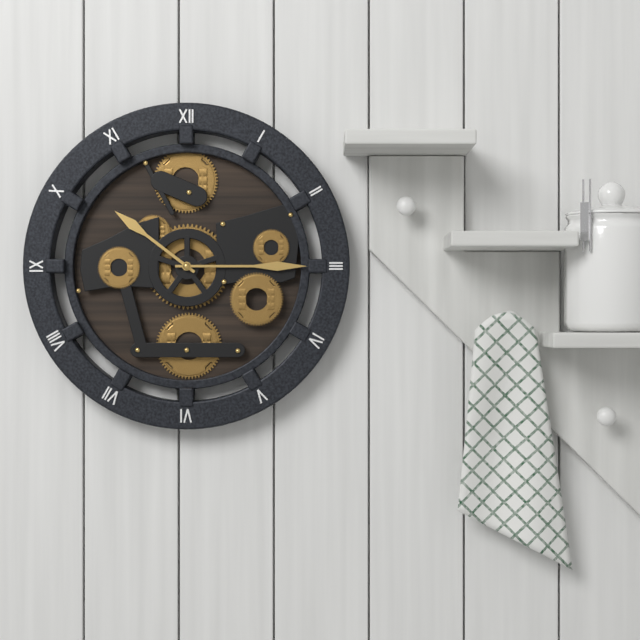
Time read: 10.15
